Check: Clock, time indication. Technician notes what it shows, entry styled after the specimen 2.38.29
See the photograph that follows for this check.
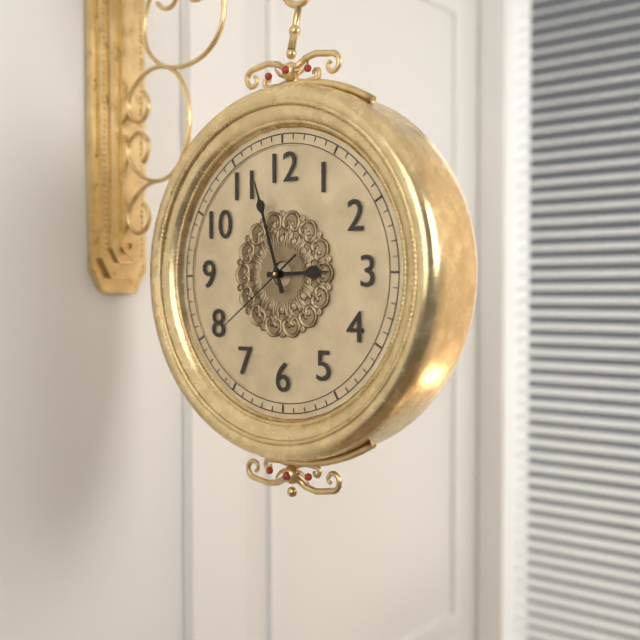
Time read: 2.57.39
